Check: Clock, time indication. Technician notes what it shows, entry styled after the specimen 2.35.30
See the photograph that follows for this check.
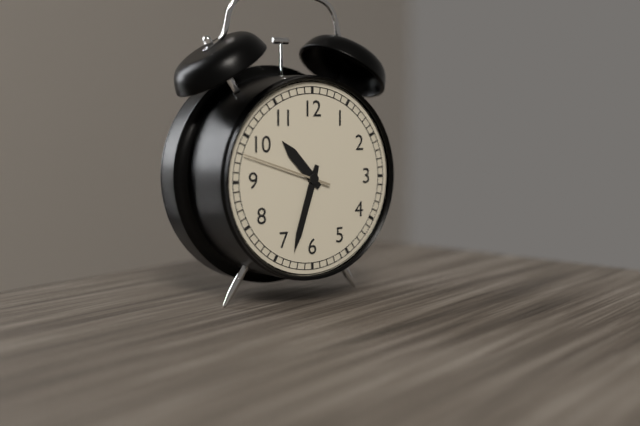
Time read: 10.33.48
